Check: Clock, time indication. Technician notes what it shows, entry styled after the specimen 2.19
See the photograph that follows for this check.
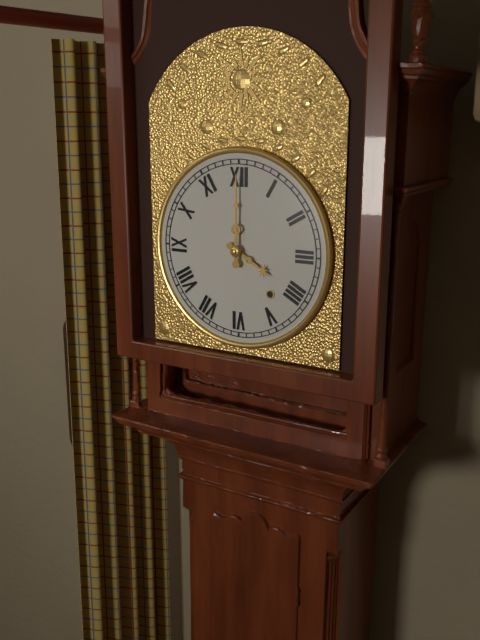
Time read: 4.00
